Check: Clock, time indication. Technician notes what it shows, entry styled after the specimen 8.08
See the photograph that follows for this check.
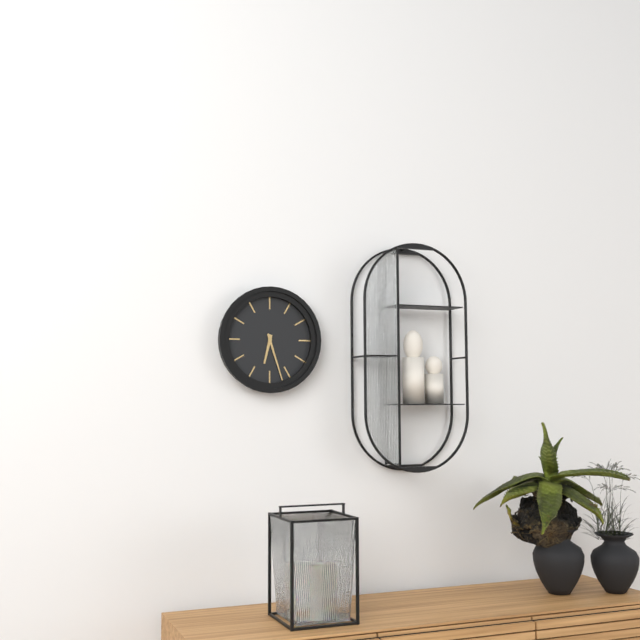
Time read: 6.27
